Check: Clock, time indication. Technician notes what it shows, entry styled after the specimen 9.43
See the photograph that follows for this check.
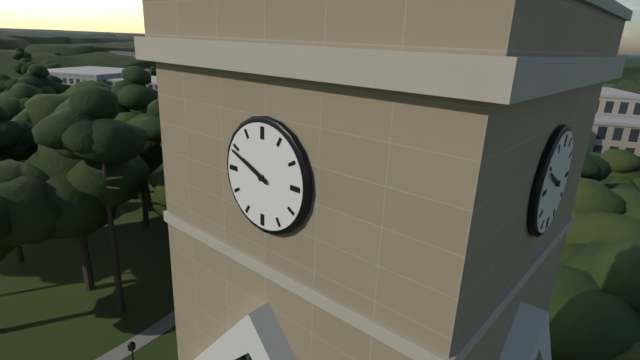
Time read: 9.49
